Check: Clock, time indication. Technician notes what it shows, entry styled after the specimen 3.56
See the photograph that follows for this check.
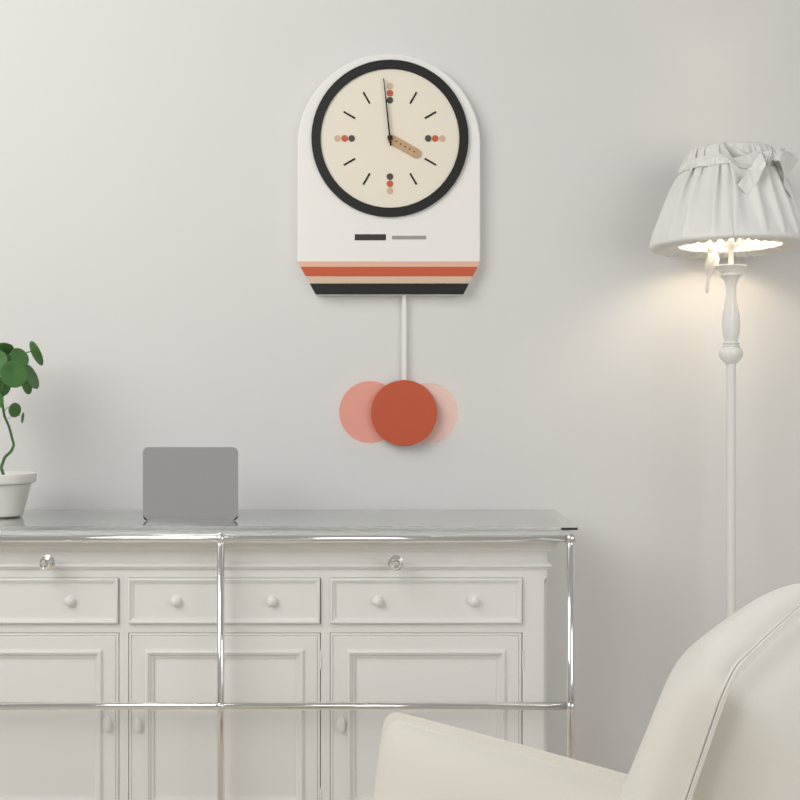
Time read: 3.59
